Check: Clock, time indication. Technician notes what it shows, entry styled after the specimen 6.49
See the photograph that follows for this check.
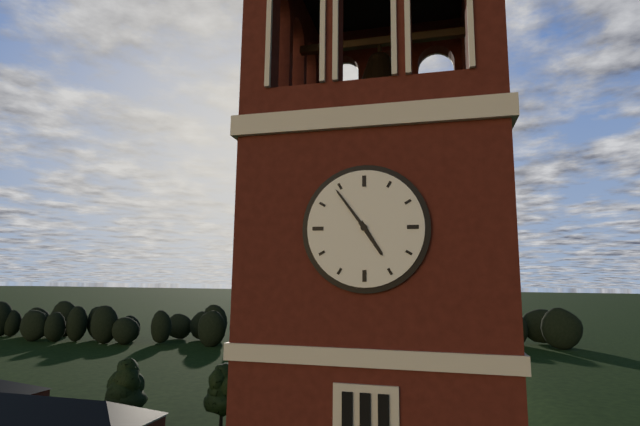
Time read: 4.54
